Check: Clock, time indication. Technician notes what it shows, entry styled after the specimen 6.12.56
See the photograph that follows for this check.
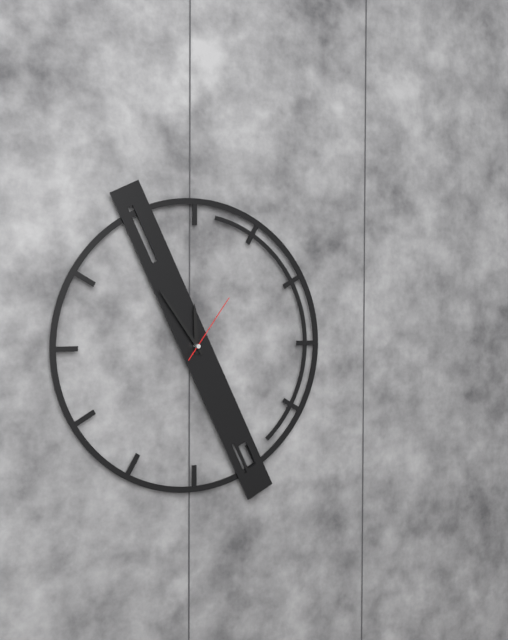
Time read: 11.54.06
